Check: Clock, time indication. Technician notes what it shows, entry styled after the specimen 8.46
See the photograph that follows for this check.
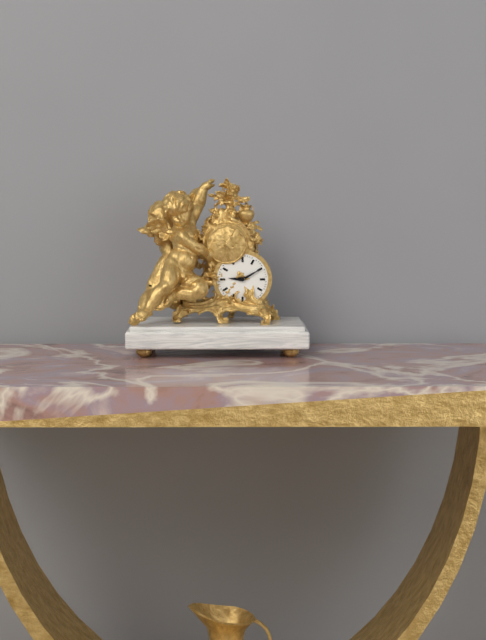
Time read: 9.10
